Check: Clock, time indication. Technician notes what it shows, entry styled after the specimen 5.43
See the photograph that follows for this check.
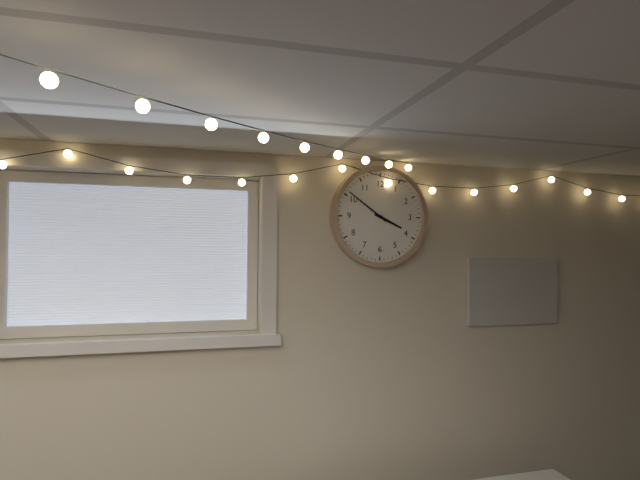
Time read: 3.51
